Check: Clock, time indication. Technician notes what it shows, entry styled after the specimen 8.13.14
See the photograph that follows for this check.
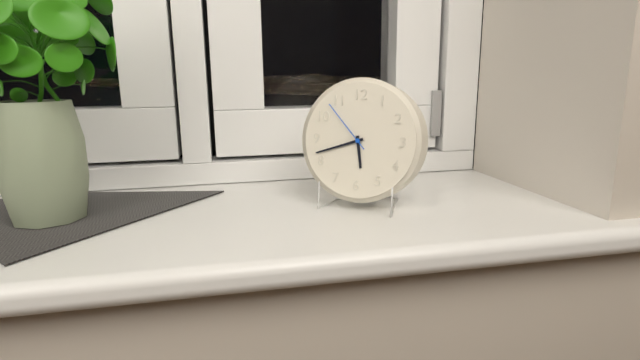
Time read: 5.42.53
